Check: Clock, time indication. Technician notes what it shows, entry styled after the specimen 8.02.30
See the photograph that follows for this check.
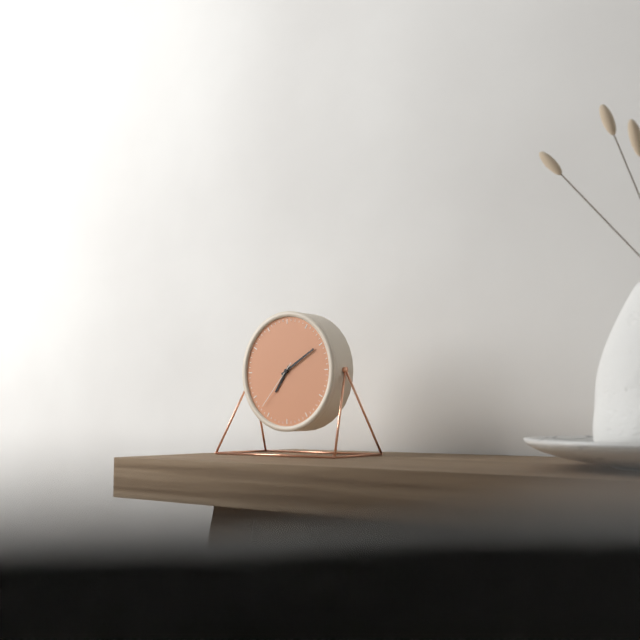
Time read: 7.10.37
